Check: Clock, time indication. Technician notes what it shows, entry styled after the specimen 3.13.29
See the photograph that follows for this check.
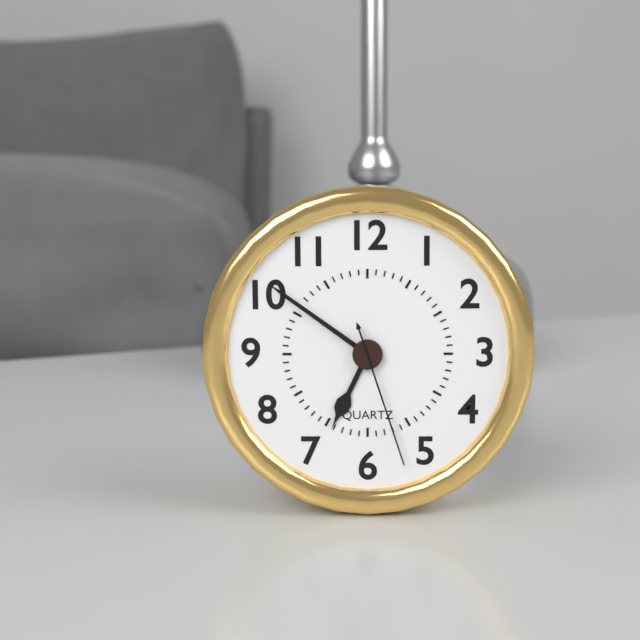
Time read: 6.51.27
